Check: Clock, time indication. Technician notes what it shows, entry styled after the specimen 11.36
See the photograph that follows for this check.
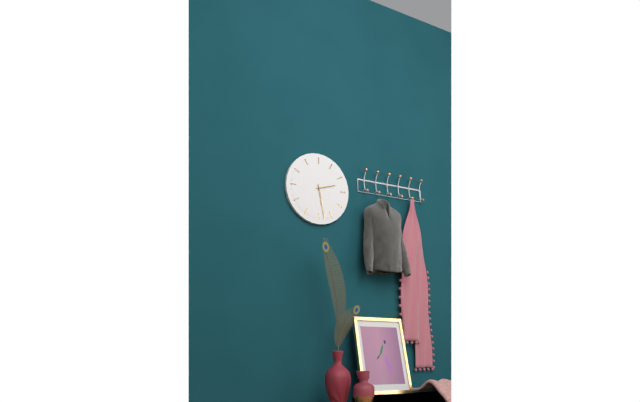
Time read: 2.28
